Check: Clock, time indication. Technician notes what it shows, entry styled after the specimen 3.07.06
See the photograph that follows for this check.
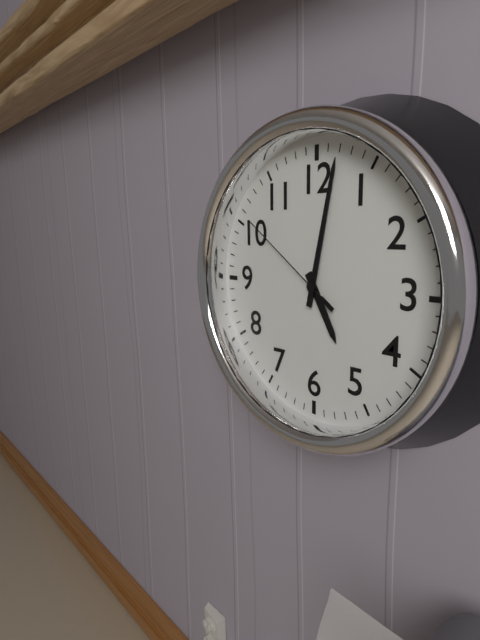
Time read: 5.02.51
